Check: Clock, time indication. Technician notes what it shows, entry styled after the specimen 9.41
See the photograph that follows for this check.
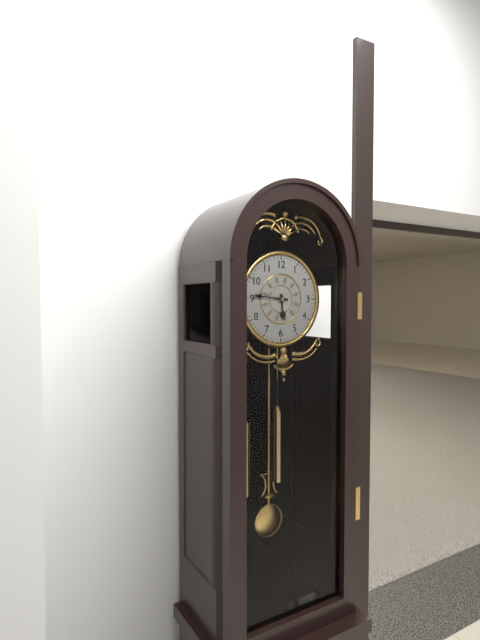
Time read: 5.46
